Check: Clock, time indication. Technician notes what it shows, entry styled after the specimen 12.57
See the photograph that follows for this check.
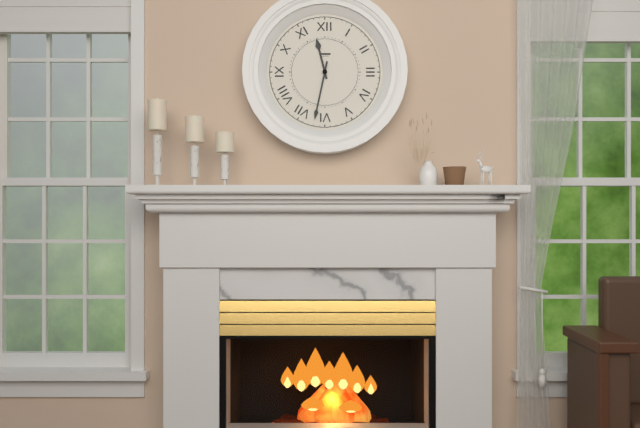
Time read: 11.32
